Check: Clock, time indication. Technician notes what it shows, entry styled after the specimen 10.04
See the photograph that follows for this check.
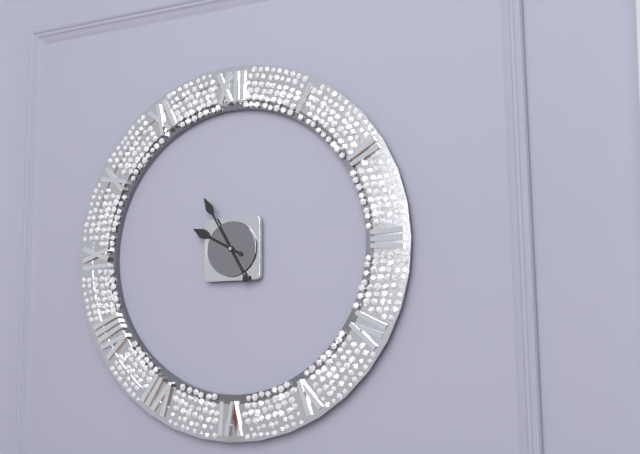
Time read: 9.55
